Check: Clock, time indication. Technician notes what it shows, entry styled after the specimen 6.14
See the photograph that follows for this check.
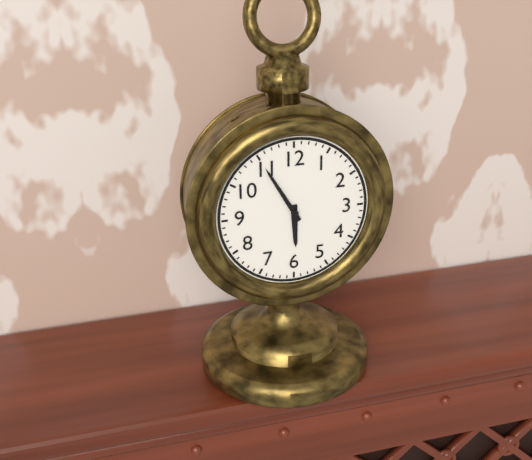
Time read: 5.55
